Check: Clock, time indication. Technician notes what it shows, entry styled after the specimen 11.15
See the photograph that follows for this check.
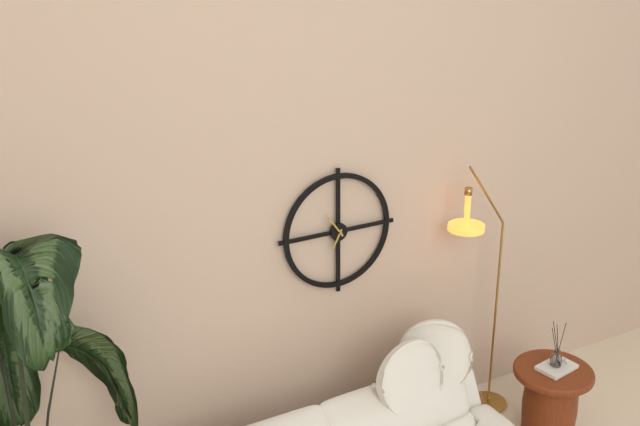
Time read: 6.54
